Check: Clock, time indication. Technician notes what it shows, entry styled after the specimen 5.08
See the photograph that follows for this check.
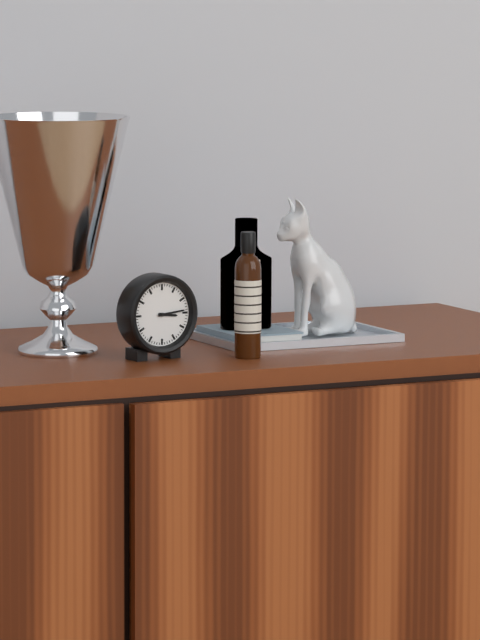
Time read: 3.14
